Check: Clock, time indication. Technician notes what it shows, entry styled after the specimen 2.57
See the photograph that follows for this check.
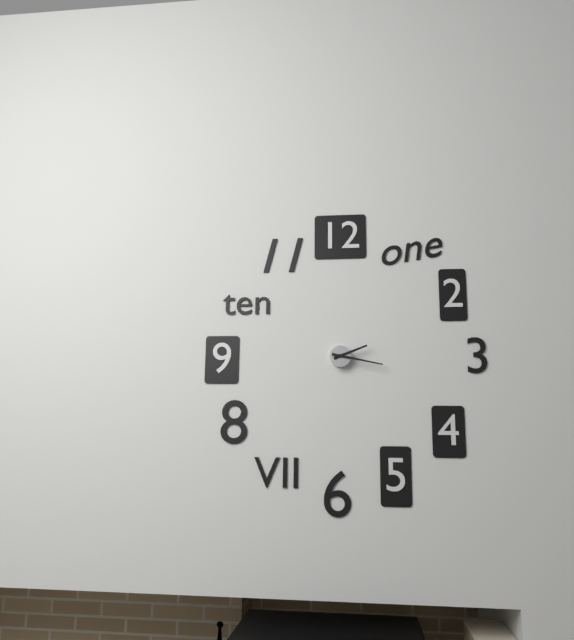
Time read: 2.17
